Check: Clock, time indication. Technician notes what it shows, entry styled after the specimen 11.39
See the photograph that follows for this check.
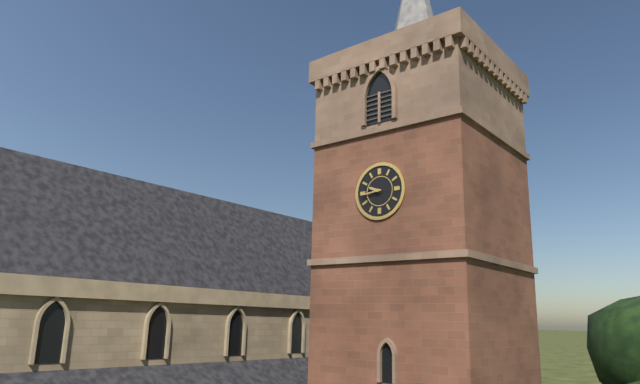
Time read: 9.44
